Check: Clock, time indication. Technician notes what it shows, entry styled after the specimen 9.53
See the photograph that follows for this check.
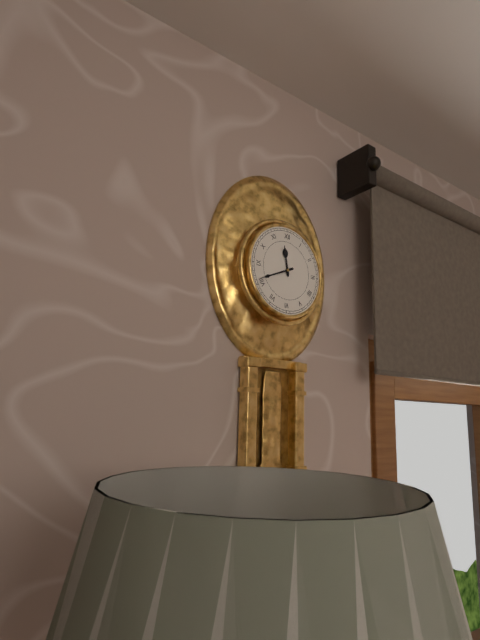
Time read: 11.41
